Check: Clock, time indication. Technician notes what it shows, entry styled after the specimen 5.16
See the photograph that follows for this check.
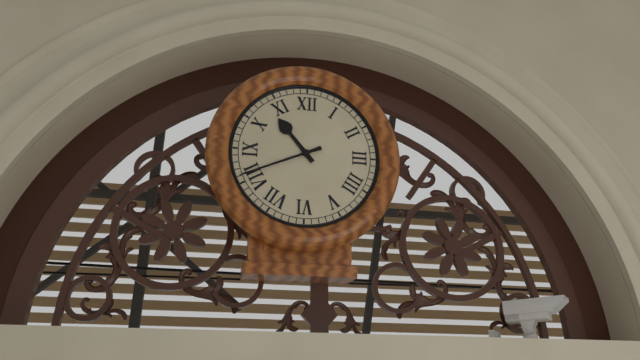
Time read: 10.41
